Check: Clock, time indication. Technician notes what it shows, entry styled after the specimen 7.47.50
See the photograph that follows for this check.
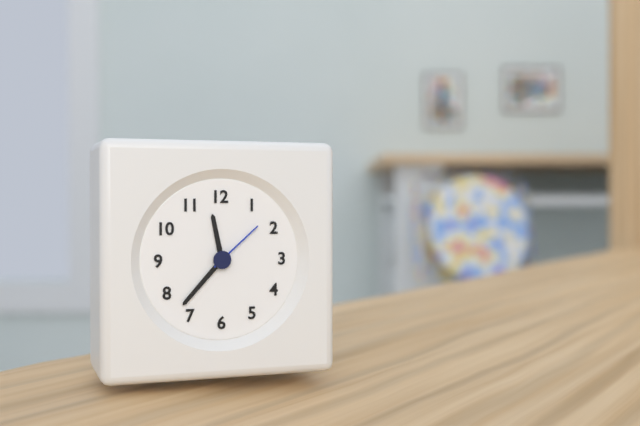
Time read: 11.37.08
